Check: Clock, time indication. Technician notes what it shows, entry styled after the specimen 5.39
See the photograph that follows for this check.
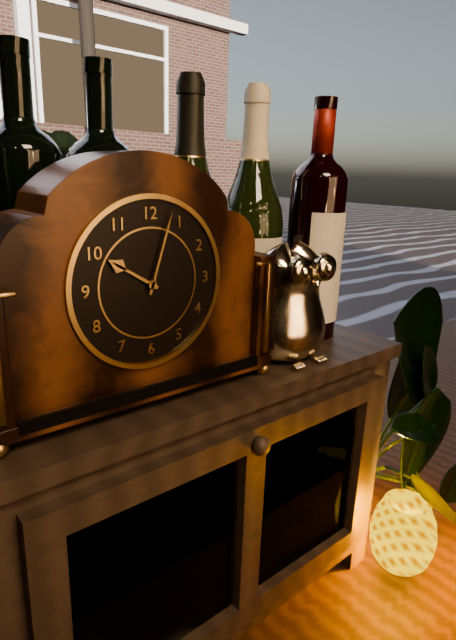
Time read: 10.03
